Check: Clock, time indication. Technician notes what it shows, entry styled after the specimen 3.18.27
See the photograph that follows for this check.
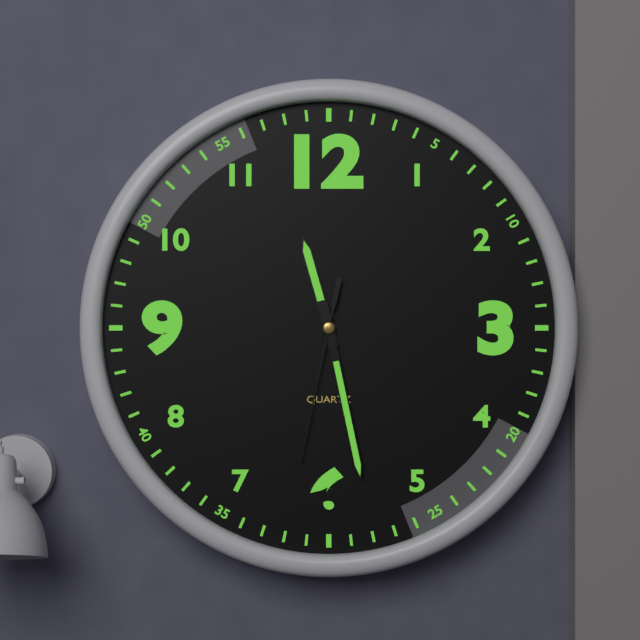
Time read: 11.28.32
